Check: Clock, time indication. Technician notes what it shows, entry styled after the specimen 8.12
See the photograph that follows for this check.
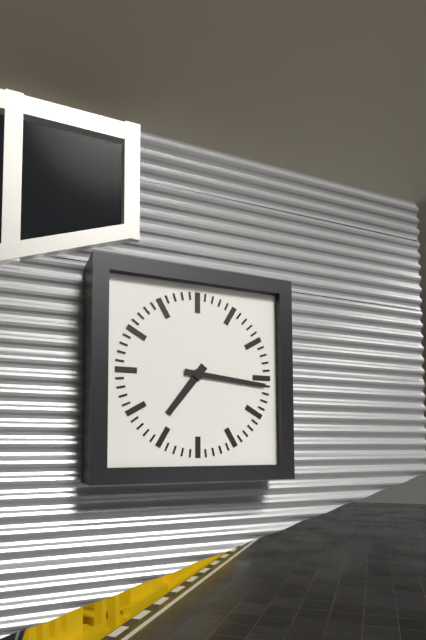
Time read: 7.16
